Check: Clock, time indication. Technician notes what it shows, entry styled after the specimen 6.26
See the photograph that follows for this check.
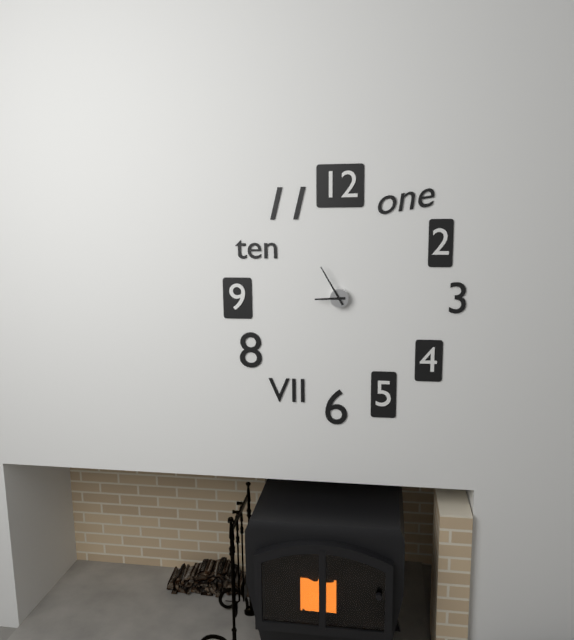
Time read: 8.55
